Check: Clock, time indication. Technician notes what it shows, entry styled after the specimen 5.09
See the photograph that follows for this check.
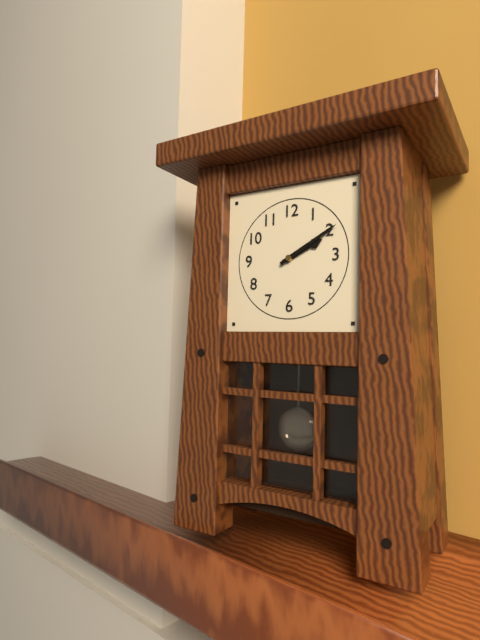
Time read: 2.10
